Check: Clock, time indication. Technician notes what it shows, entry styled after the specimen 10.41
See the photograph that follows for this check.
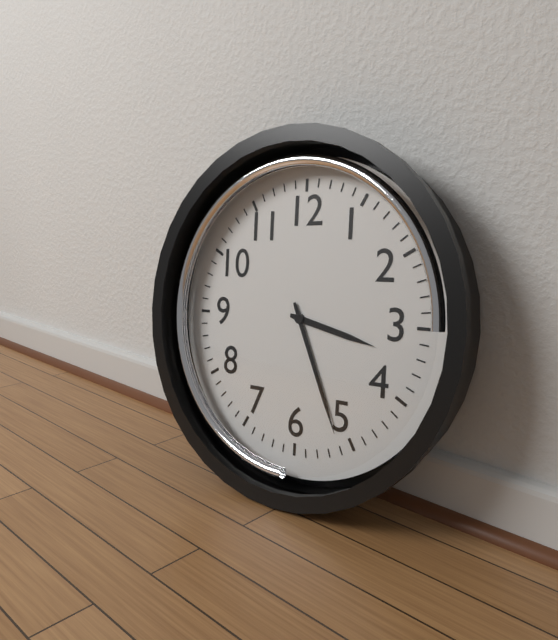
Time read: 3.26
